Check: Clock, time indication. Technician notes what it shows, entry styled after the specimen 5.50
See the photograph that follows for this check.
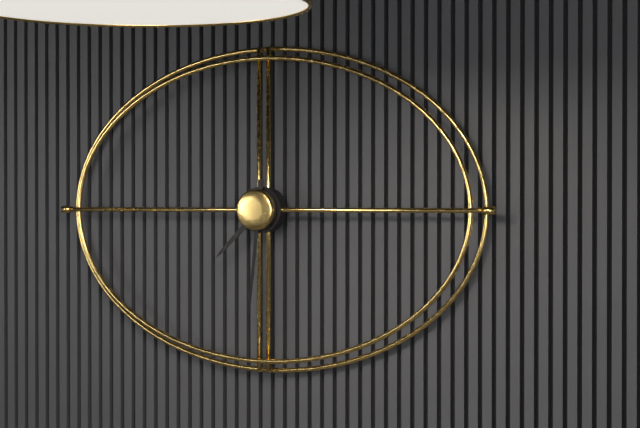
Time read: 7.31
